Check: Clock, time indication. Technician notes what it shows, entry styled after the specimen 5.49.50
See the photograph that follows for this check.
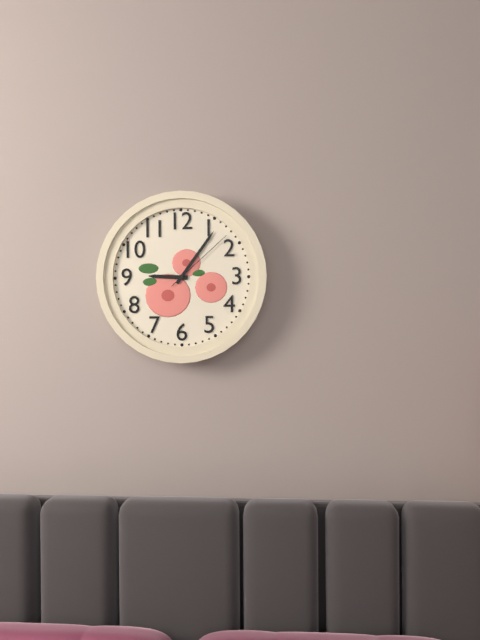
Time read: 9.06.08
